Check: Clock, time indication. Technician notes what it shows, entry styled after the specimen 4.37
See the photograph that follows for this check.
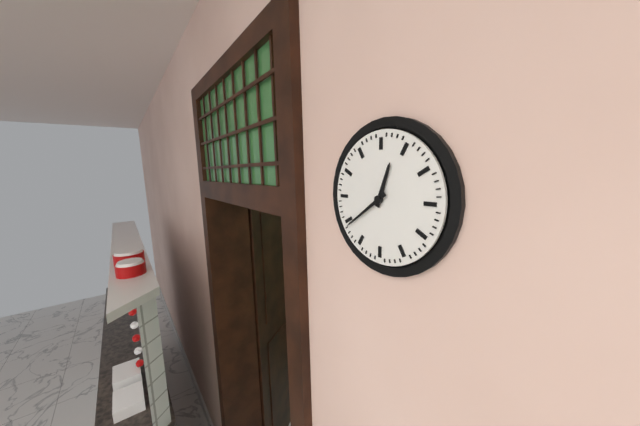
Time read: 12.39
